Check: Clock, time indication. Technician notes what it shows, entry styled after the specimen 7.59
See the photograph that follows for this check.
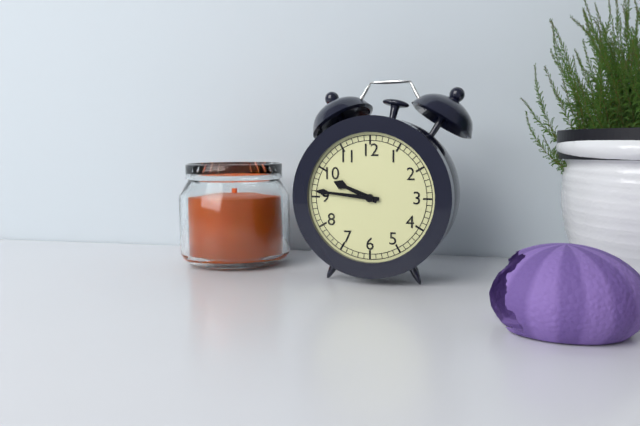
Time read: 9.46
